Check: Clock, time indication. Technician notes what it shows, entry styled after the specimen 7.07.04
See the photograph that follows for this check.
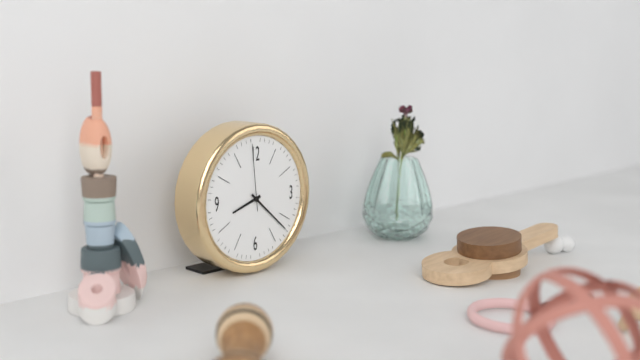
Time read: 8.22.59
